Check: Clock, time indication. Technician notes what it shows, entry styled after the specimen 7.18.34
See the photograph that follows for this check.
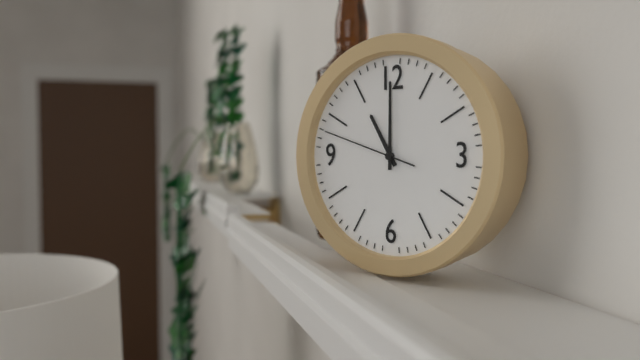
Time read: 11.00.48
